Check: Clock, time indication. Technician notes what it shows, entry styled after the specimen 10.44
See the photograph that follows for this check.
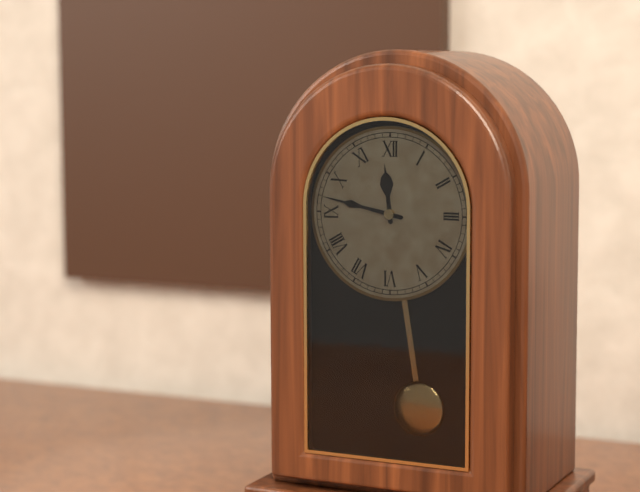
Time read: 11.47
